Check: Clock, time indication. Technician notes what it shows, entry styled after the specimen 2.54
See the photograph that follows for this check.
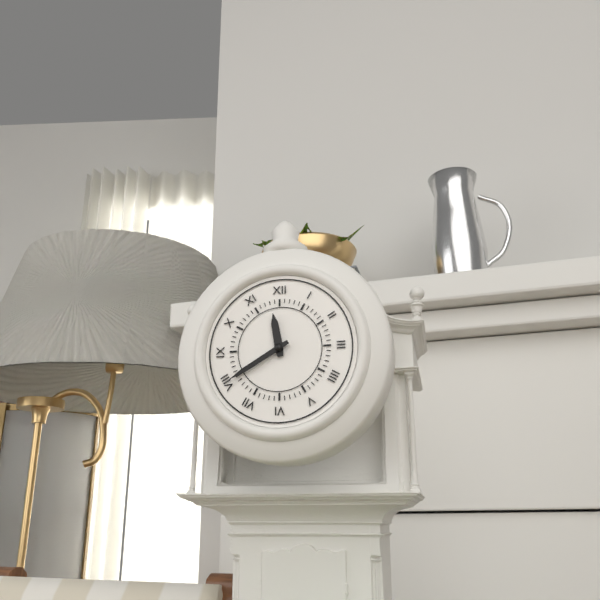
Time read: 11.40
